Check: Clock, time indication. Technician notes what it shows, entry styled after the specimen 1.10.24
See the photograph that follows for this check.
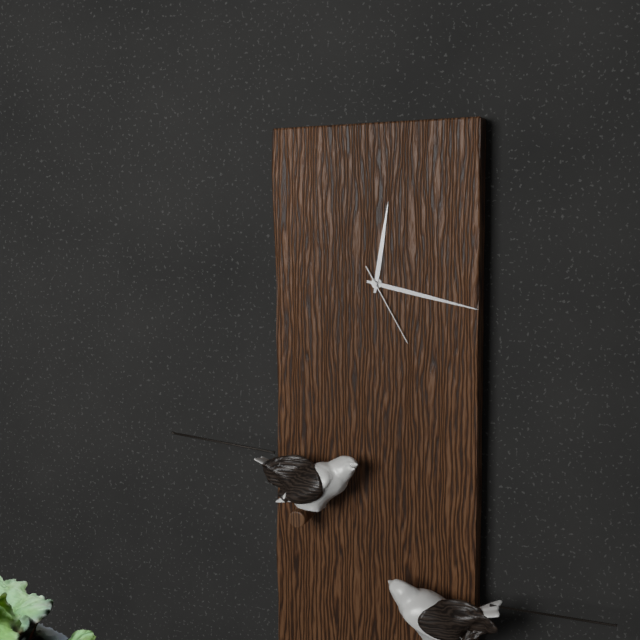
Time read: 12.17.25
